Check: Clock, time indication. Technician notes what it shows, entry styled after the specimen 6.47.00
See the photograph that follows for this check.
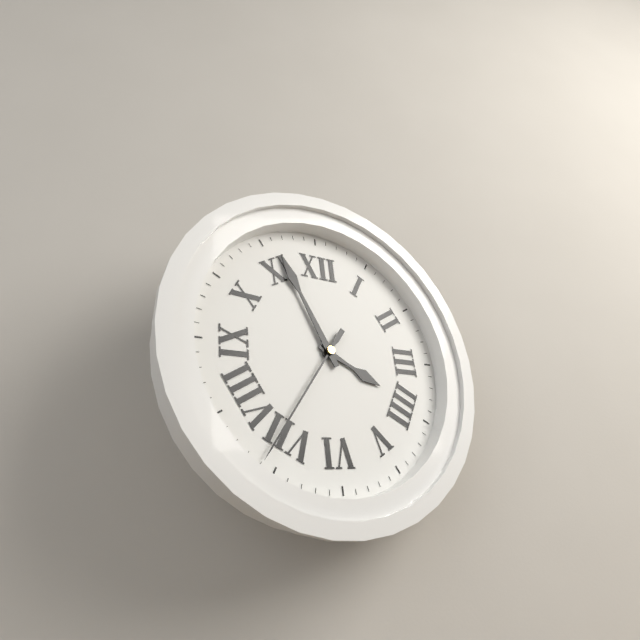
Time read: 3.56.36
